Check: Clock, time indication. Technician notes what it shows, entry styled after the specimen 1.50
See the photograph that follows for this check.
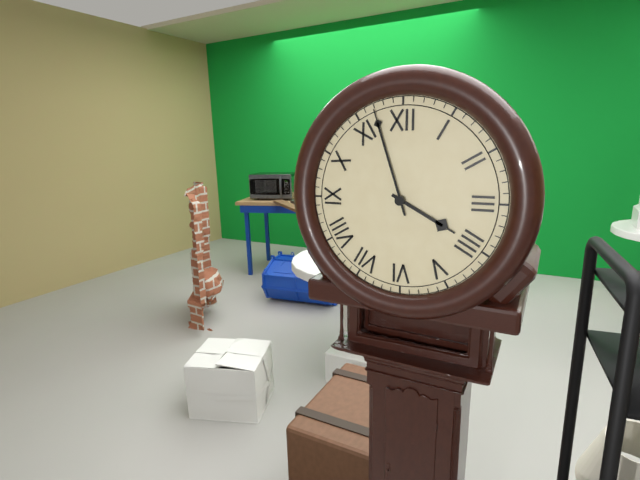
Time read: 3.57
